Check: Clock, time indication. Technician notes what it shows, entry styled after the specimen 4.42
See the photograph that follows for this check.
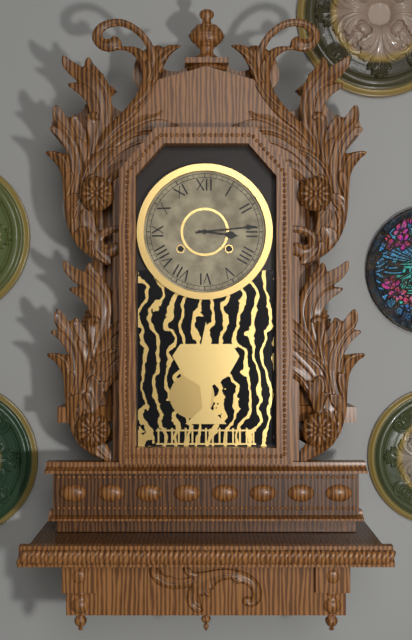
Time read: 3.14
